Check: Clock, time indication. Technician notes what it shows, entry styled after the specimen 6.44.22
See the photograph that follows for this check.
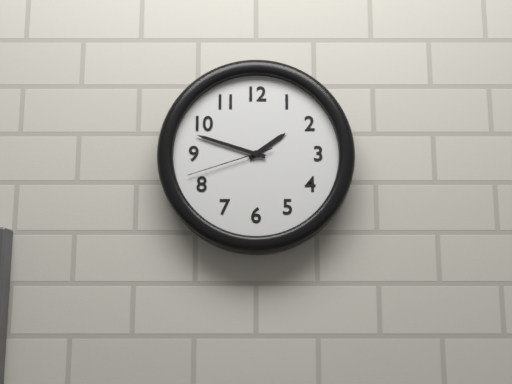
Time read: 1.48.42
